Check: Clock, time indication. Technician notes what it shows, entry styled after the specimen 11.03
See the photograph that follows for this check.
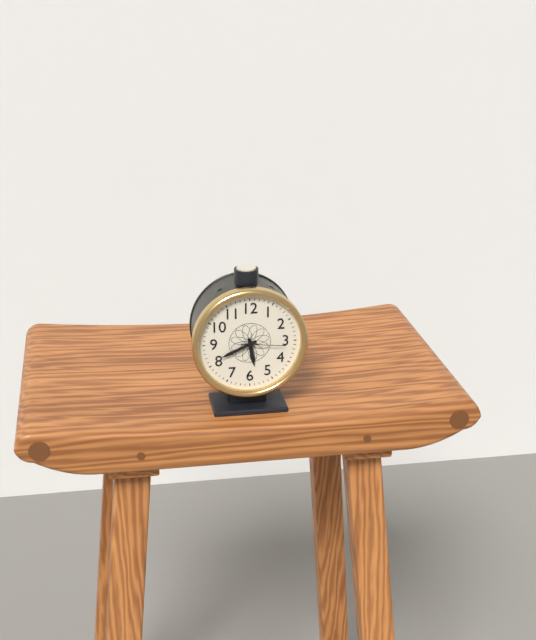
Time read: 5.41
